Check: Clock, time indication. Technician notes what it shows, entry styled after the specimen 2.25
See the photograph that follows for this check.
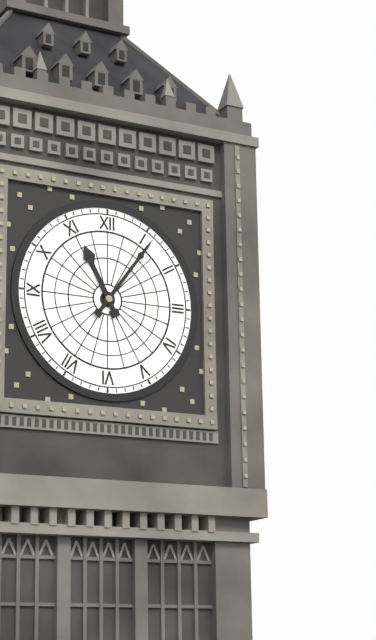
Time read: 11.06
